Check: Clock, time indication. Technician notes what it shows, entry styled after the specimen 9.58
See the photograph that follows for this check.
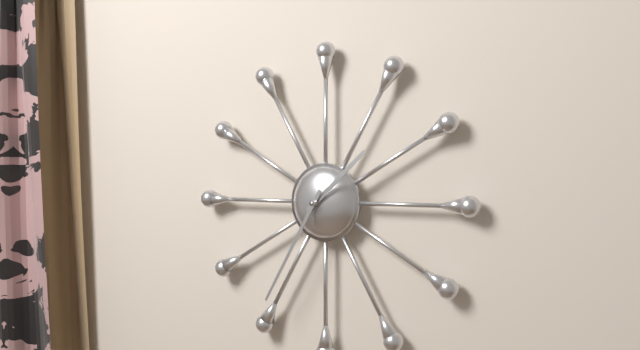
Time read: 1.35
